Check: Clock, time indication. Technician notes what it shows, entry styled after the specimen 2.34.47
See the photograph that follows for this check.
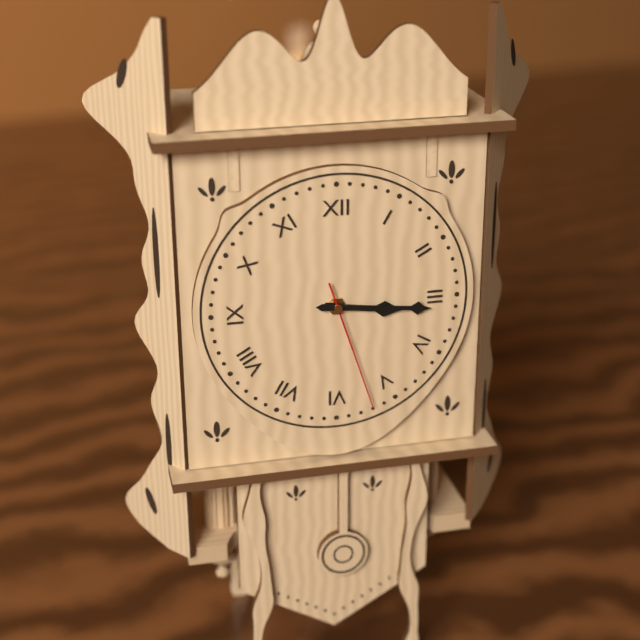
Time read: 3.16.27
